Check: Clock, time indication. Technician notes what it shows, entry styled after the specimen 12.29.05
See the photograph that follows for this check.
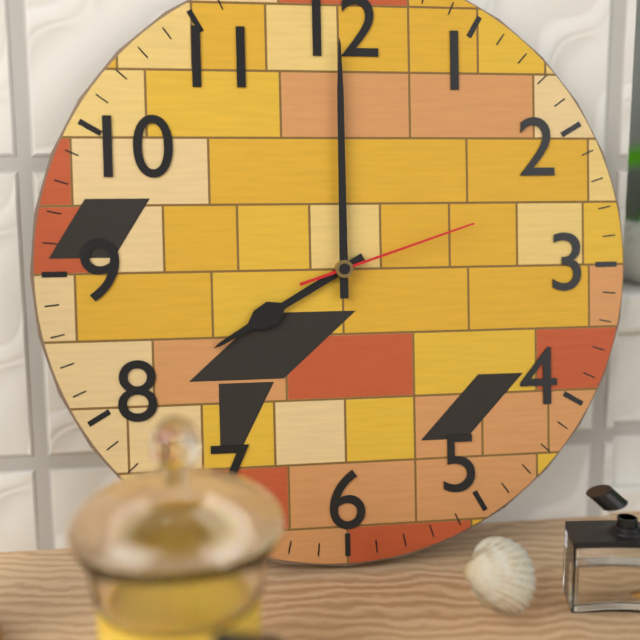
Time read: 8.00.12
